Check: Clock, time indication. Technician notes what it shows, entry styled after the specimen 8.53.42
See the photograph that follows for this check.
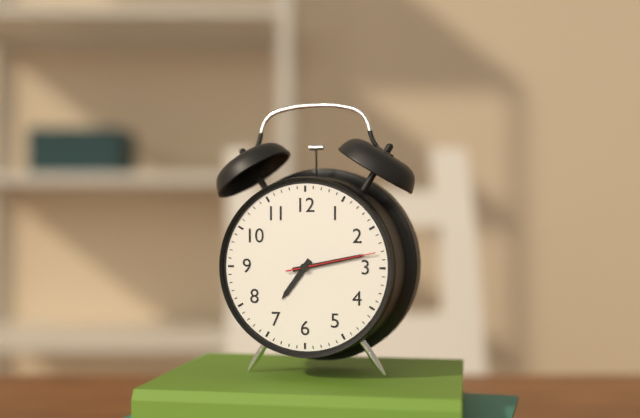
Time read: 7.13.13
